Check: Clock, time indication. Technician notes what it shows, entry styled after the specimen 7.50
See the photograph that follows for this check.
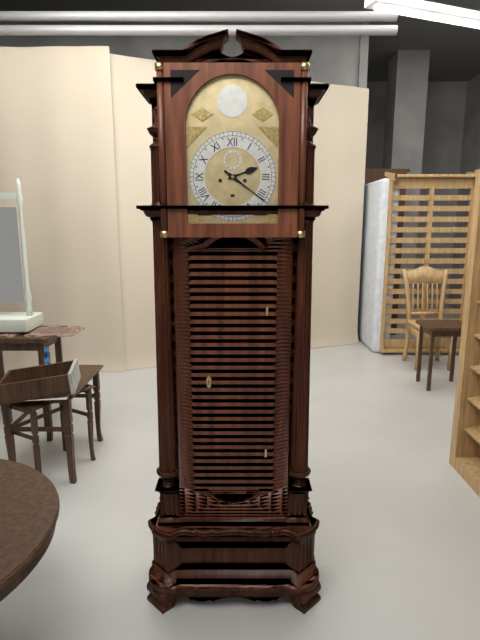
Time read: 2.21
